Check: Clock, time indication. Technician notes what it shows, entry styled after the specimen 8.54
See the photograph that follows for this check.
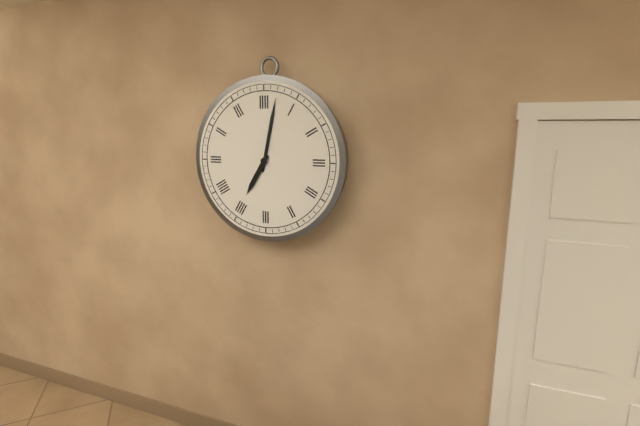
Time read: 7.02
